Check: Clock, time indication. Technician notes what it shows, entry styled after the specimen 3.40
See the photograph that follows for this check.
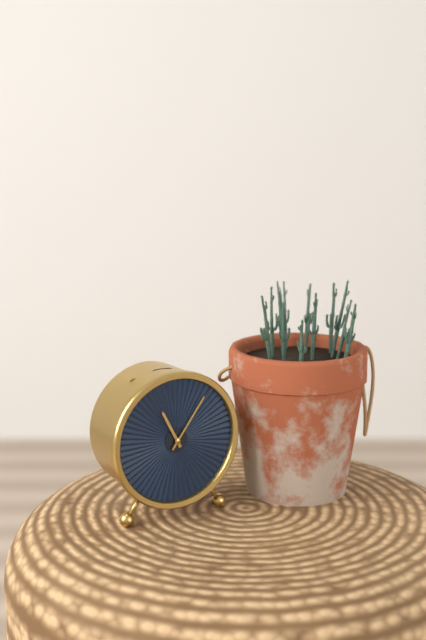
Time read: 11.06
